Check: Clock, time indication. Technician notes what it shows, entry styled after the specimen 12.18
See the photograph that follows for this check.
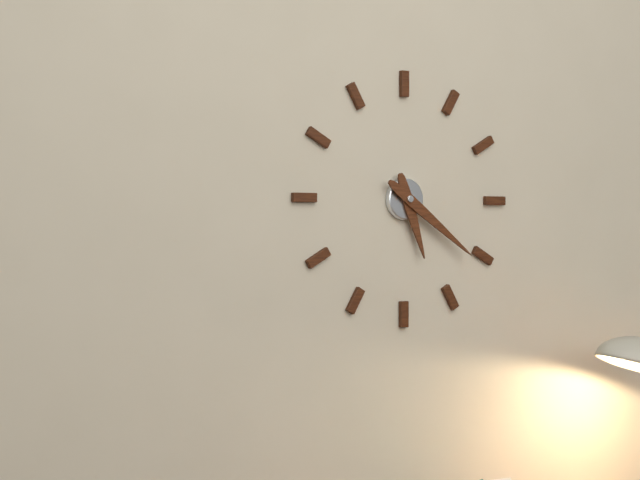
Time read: 5.21
